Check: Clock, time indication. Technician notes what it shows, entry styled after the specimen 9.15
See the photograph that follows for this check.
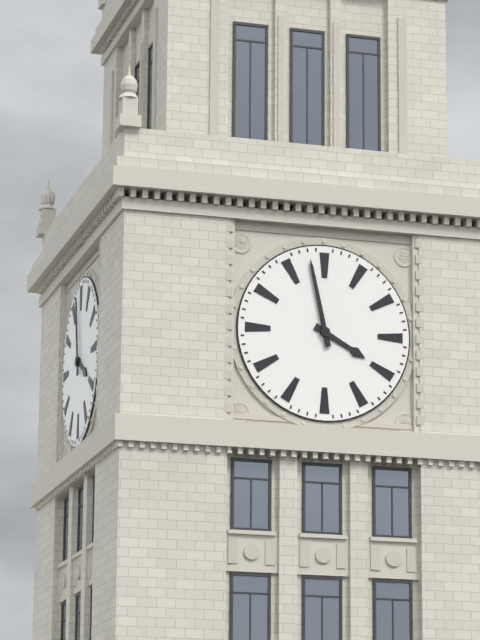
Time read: 3.58
